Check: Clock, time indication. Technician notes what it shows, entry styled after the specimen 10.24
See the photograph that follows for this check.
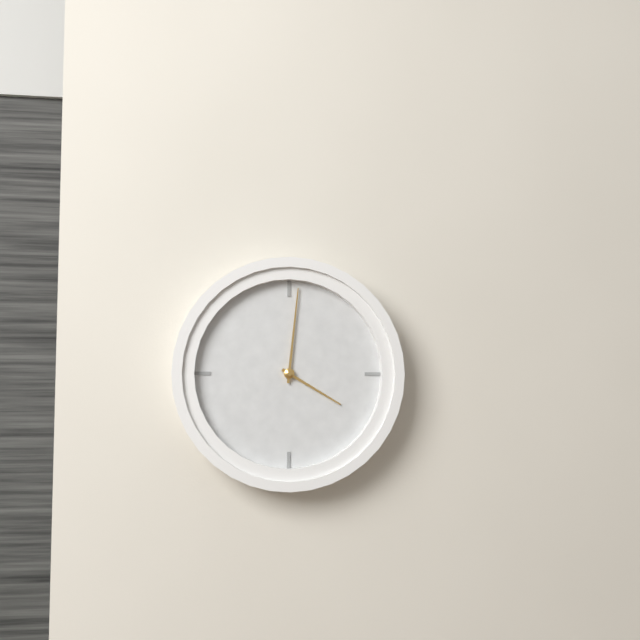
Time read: 4.01
